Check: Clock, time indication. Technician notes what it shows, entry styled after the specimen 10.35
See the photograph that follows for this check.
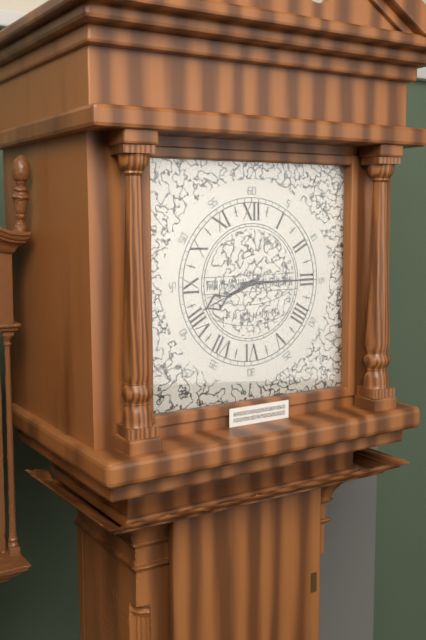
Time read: 8.15
